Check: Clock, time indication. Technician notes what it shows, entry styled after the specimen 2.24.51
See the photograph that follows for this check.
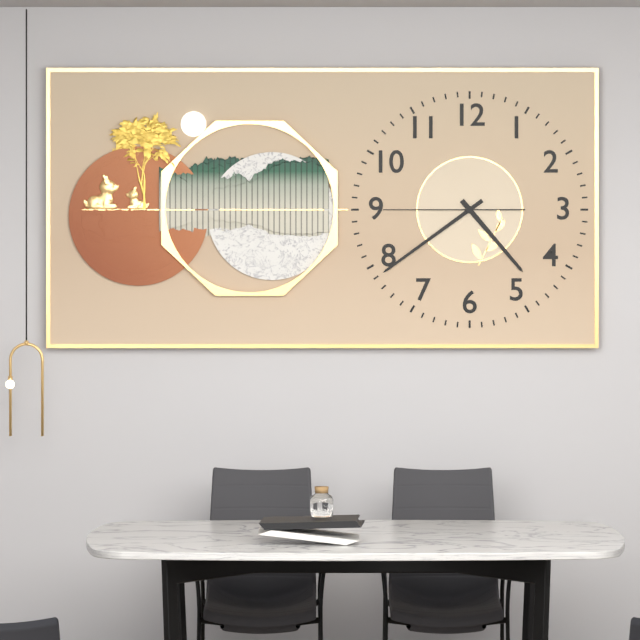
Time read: 4.39.45
